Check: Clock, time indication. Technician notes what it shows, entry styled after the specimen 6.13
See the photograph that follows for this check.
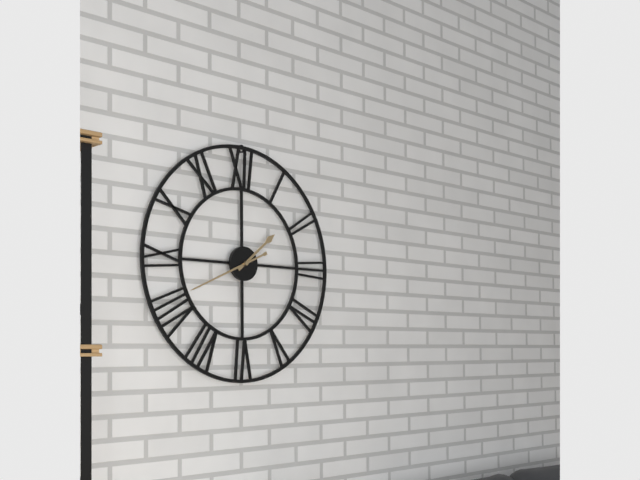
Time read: 1.41
